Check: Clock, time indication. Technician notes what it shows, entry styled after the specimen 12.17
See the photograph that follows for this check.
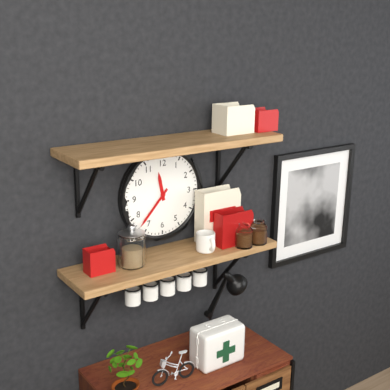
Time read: 11.37
